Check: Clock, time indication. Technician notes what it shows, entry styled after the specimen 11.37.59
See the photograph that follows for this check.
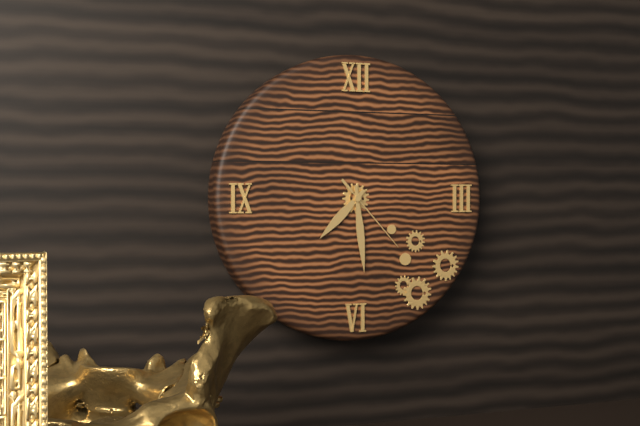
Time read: 7.29.23
